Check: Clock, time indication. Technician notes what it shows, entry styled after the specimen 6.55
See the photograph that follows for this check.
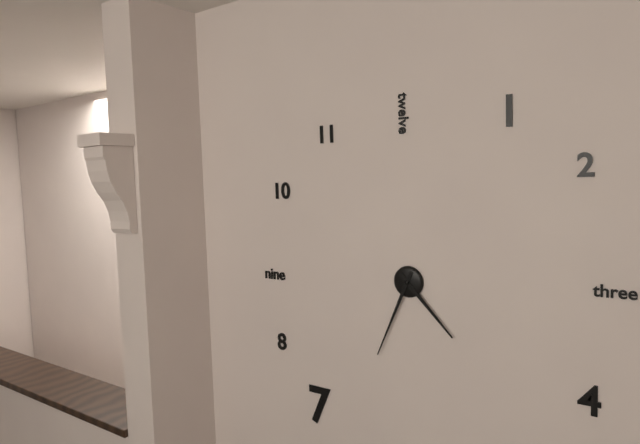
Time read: 4.34
